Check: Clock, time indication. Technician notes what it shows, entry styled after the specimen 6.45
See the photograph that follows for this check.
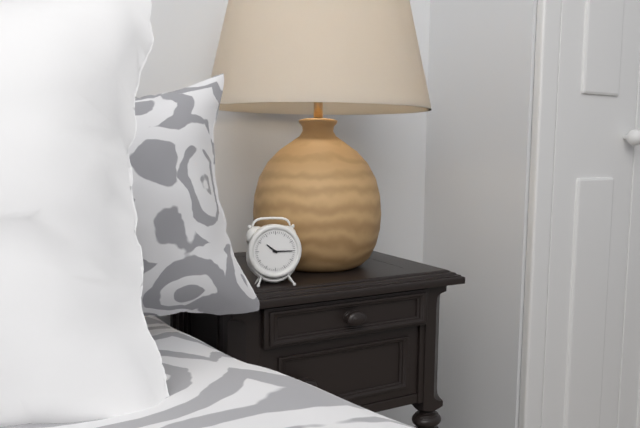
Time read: 10.15
